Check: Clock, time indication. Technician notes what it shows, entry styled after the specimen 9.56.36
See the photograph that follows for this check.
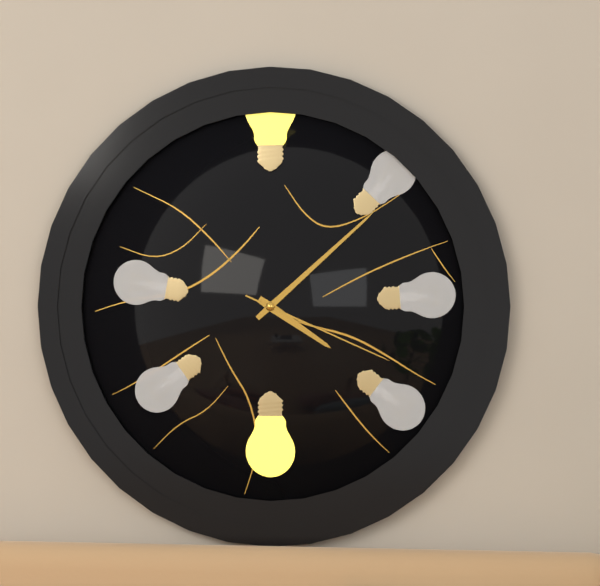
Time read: 4.08.19
